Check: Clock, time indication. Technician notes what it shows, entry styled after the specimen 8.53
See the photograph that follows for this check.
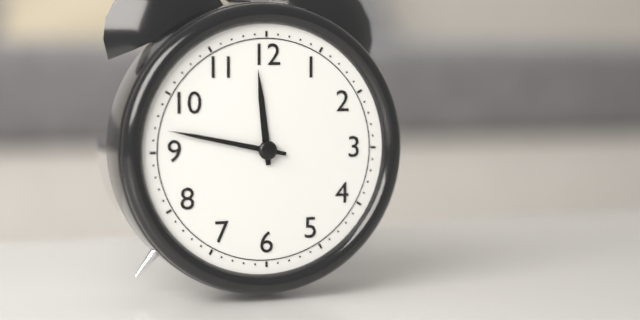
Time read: 11.47
